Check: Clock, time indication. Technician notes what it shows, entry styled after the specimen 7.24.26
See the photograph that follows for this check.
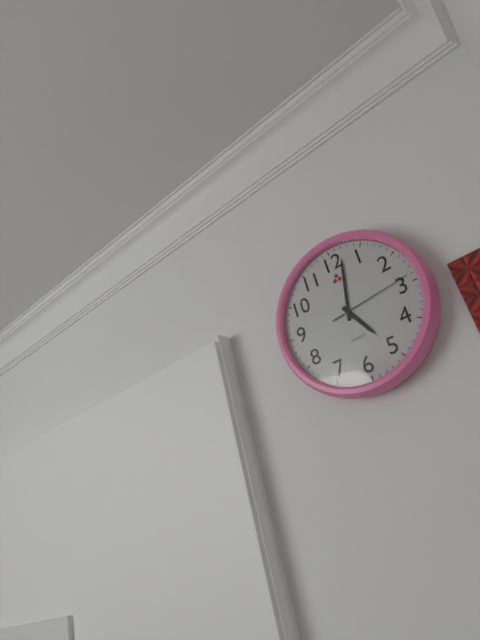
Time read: 5.02.14
